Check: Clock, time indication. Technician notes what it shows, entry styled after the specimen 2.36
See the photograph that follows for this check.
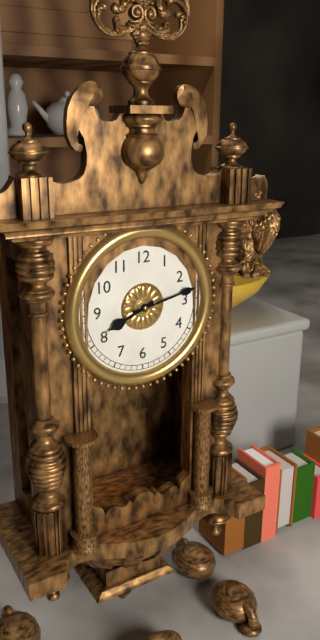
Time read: 8.13
